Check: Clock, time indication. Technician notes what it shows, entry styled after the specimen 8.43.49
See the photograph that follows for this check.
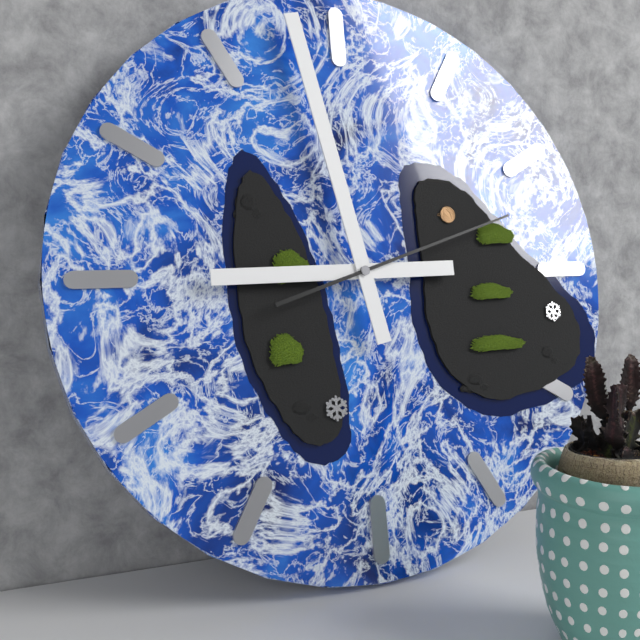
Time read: 8.58.12
